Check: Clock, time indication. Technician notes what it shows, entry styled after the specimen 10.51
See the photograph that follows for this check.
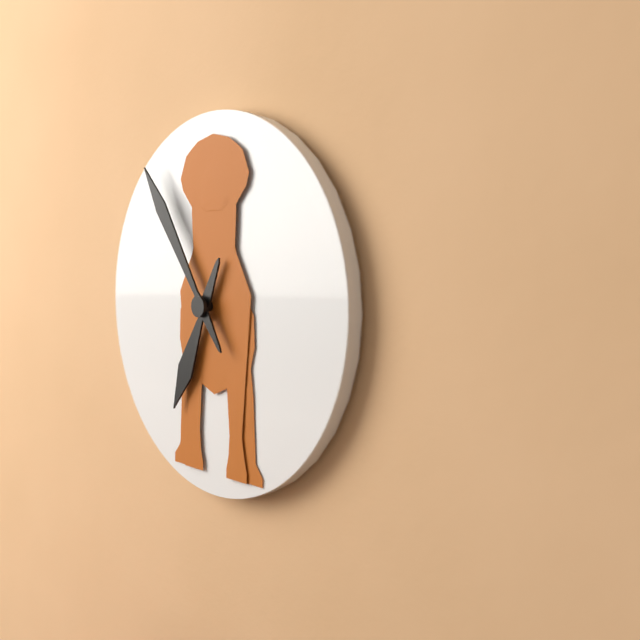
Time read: 6.54
